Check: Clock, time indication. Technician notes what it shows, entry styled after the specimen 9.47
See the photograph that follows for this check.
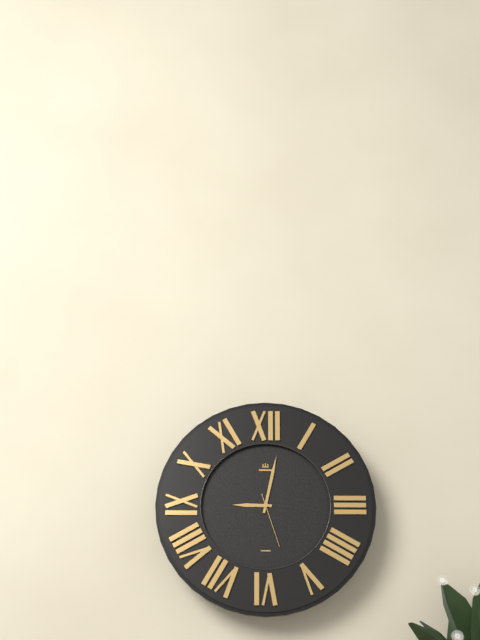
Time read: 9.02
